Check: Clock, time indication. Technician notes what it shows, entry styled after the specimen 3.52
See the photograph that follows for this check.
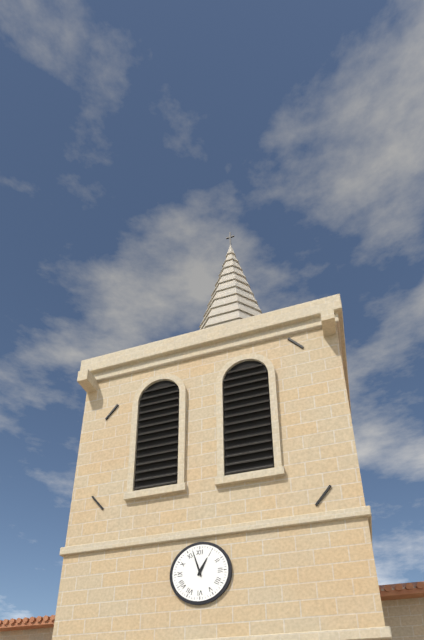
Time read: 12.57
